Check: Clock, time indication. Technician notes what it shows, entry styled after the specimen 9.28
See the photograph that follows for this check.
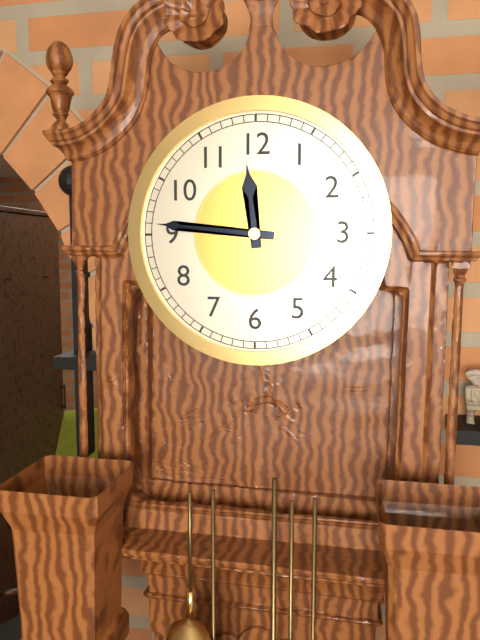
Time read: 11.46
